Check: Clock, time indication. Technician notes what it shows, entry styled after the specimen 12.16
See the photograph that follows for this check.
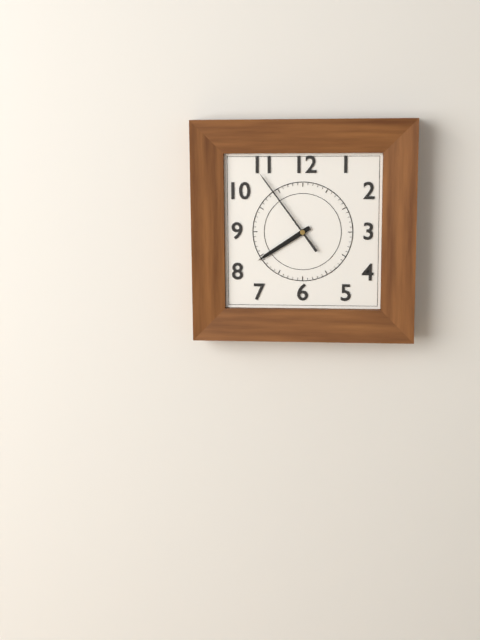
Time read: 7.54
